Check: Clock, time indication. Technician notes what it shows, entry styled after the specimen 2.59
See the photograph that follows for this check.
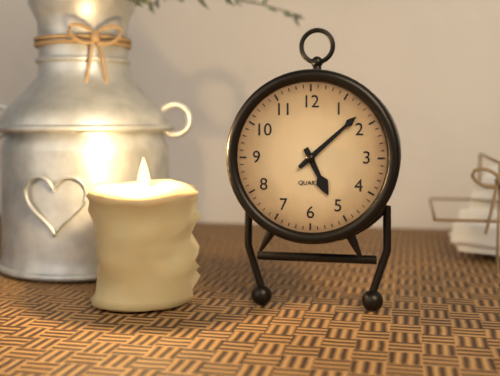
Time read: 5.08
